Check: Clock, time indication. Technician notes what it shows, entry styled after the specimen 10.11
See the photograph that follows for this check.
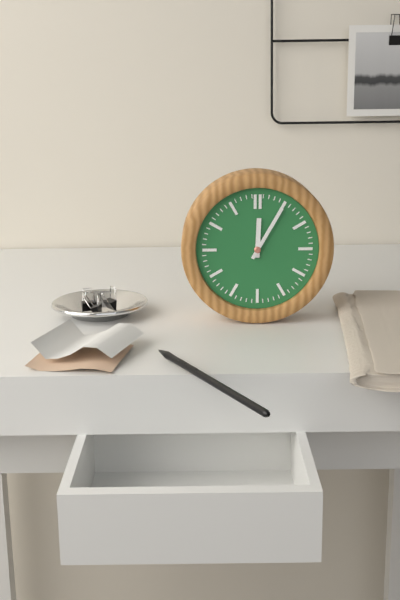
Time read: 12.05
